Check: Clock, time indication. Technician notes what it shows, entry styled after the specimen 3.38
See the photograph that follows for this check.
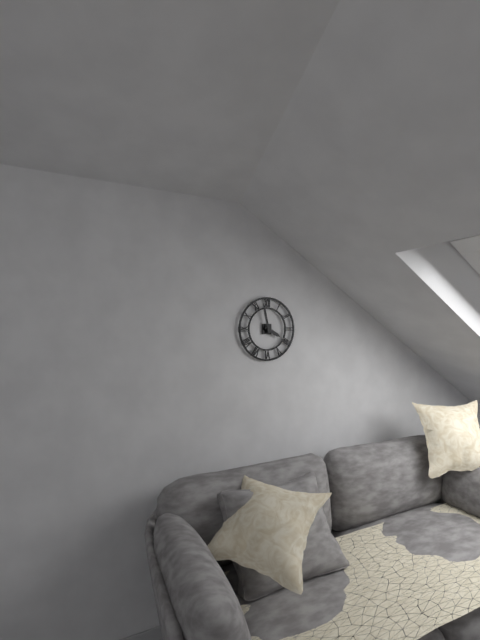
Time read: 3.58
